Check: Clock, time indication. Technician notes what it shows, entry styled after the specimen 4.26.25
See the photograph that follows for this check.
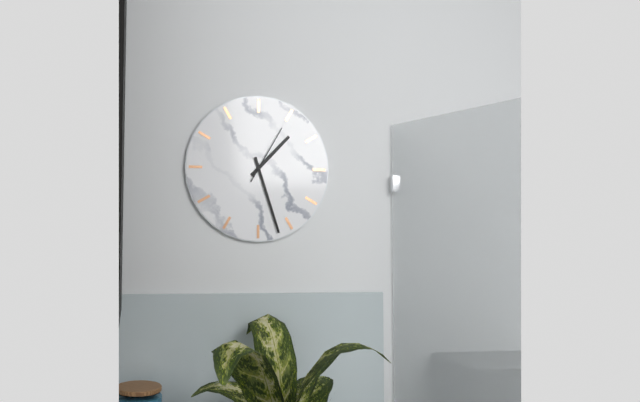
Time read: 1.27.05
